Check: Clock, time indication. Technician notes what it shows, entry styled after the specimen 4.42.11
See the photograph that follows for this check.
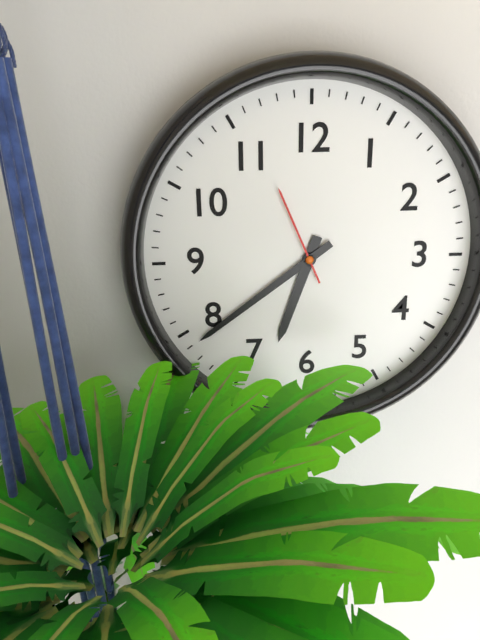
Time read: 6.39.56
